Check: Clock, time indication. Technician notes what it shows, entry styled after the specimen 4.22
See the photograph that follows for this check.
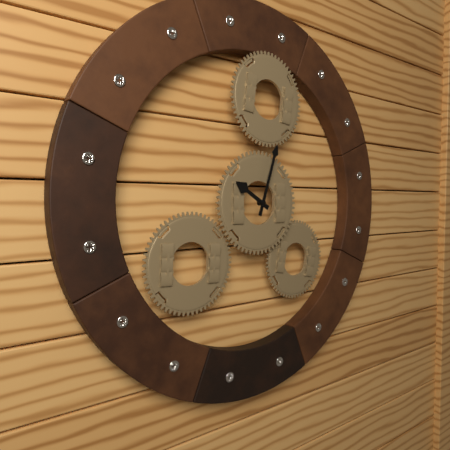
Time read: 10.03
